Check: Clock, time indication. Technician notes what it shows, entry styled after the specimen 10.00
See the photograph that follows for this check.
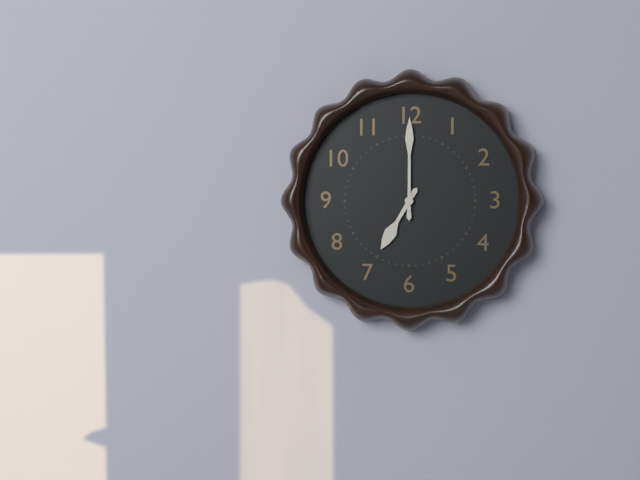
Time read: 7.00
